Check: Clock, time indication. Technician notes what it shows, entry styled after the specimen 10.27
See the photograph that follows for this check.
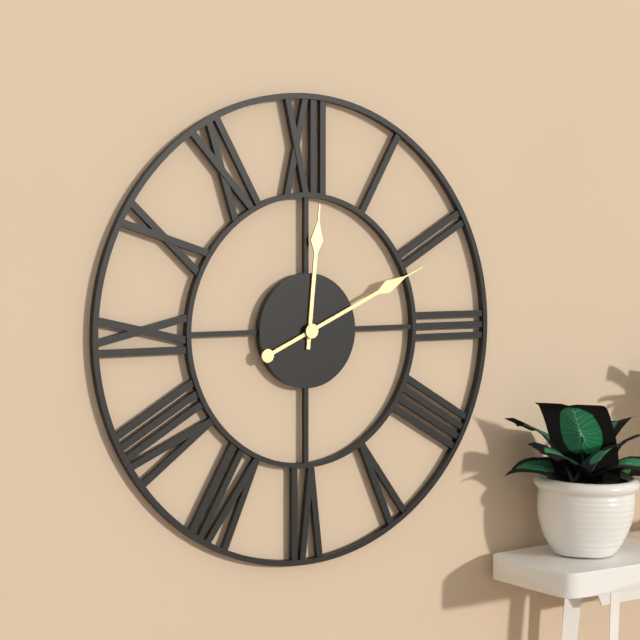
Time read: 12.11
